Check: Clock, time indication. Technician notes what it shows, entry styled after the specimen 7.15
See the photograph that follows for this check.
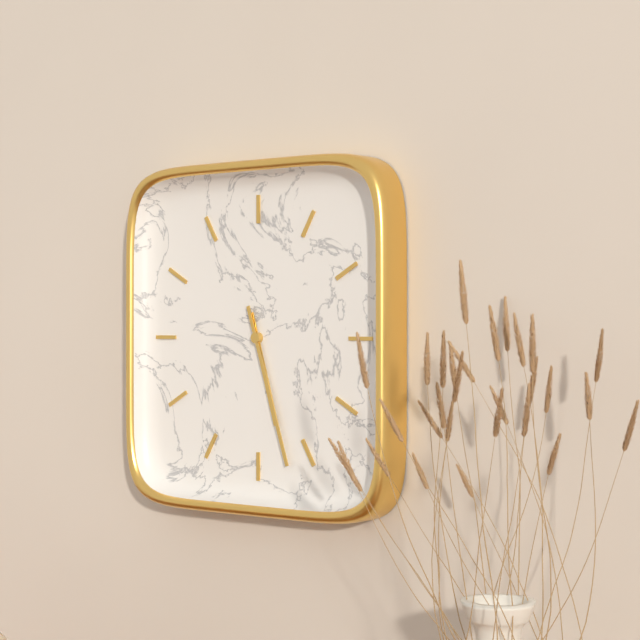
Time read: 5.27
